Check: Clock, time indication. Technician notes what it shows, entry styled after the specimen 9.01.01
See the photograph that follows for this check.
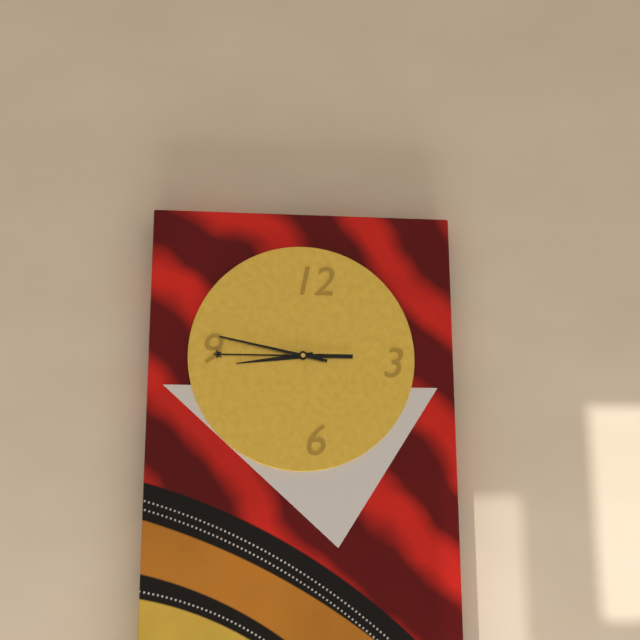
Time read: 8.45.47
